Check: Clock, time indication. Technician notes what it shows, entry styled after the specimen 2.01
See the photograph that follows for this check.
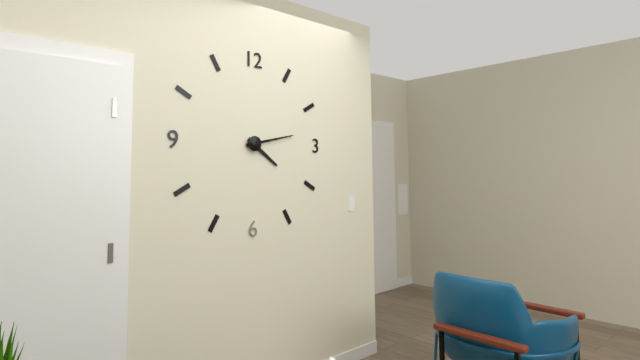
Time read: 4.13
